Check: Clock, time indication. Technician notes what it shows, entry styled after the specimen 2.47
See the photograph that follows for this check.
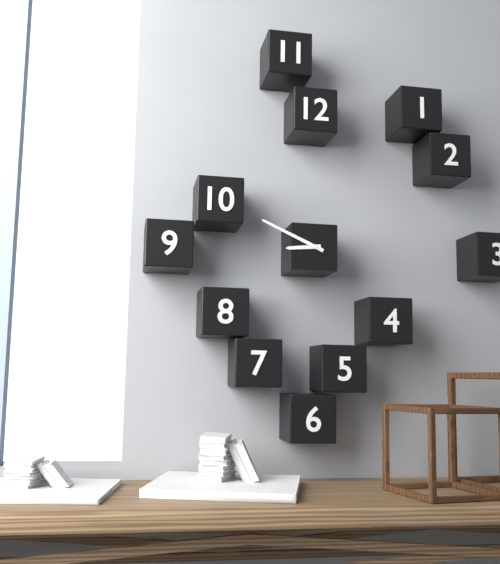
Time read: 8.49
